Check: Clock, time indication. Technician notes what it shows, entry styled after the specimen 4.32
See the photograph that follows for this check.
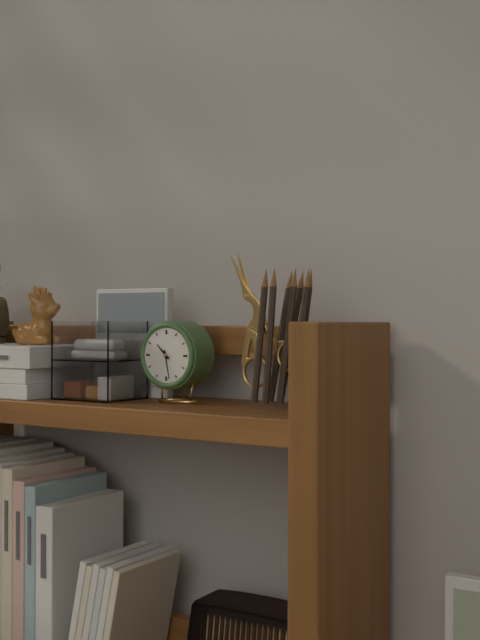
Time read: 10.28
